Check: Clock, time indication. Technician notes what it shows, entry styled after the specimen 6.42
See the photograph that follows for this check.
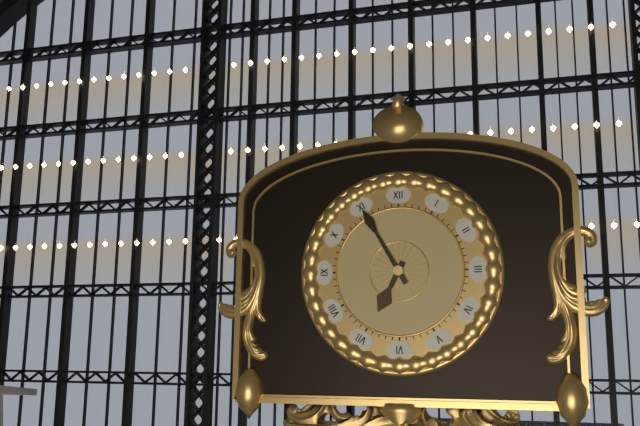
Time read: 6.55
